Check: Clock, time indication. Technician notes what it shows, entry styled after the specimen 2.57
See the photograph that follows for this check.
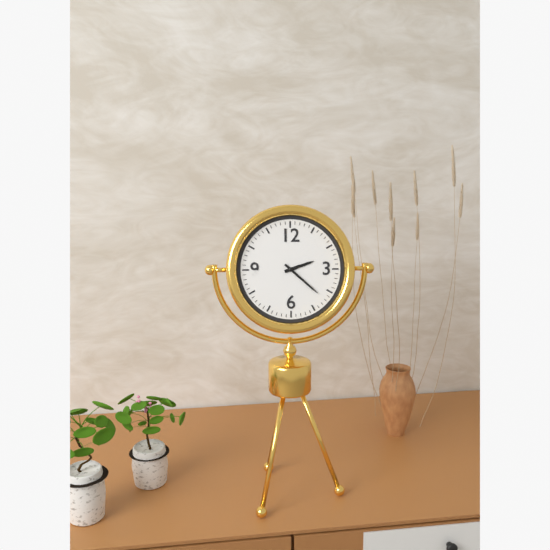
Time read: 2.22
